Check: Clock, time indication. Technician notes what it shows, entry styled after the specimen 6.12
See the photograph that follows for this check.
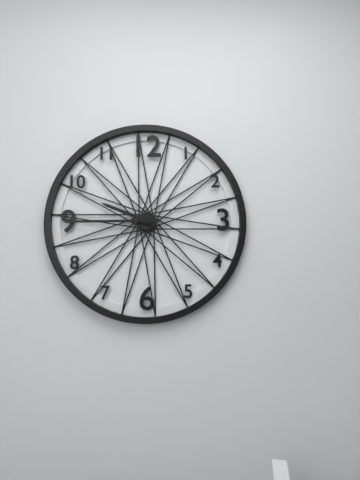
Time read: 9.45
